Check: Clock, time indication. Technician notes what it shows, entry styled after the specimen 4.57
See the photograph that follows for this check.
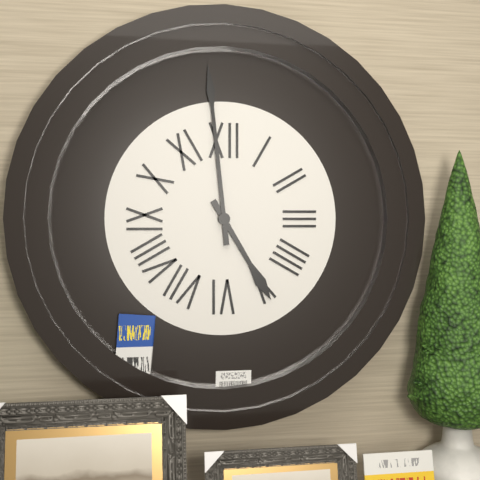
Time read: 4.59
